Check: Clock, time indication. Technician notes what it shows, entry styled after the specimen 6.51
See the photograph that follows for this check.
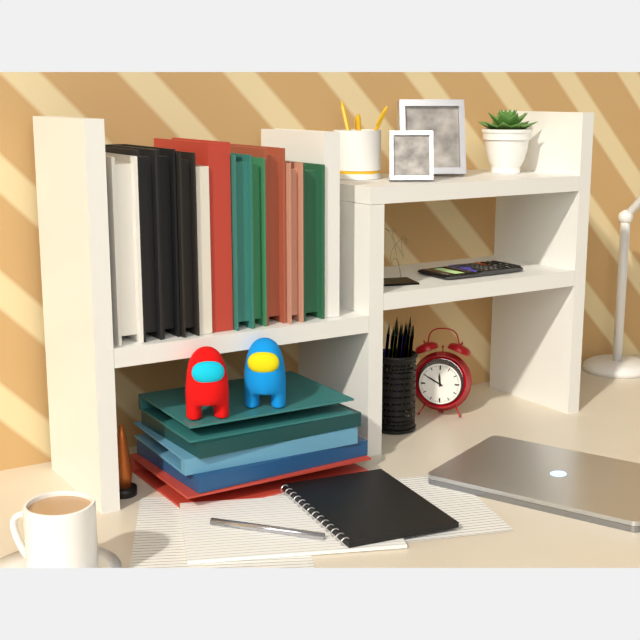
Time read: 11.50
